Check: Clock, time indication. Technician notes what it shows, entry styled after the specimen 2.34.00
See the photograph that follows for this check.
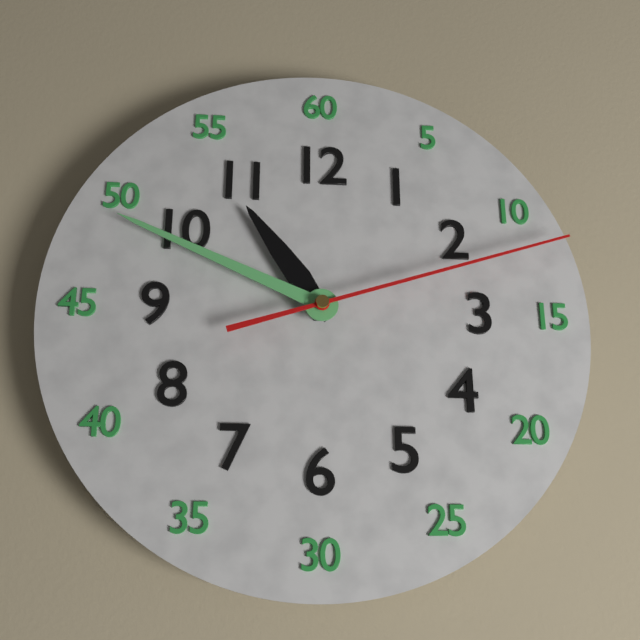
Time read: 10.49.12
